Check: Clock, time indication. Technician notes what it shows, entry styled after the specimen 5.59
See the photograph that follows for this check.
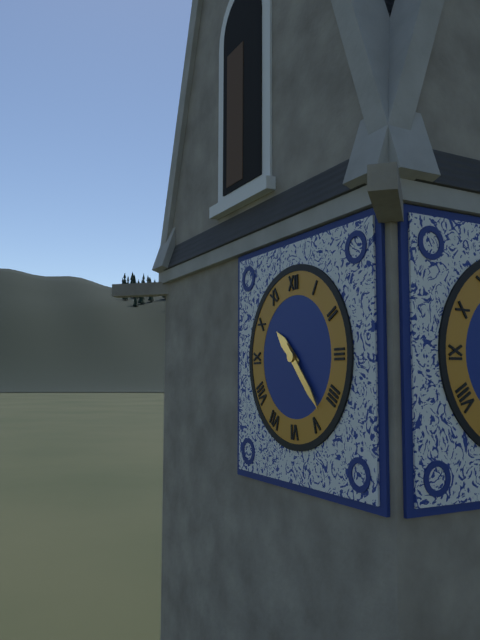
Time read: 10.23
